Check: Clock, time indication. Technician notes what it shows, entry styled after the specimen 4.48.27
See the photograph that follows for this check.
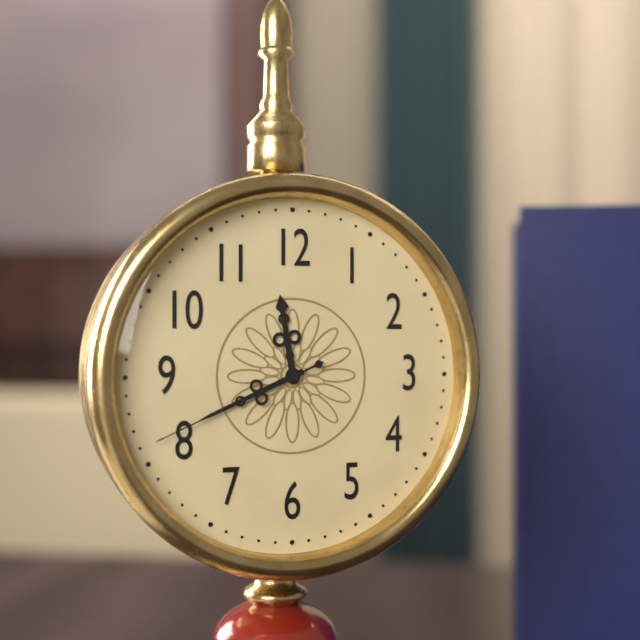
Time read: 11.41.41
